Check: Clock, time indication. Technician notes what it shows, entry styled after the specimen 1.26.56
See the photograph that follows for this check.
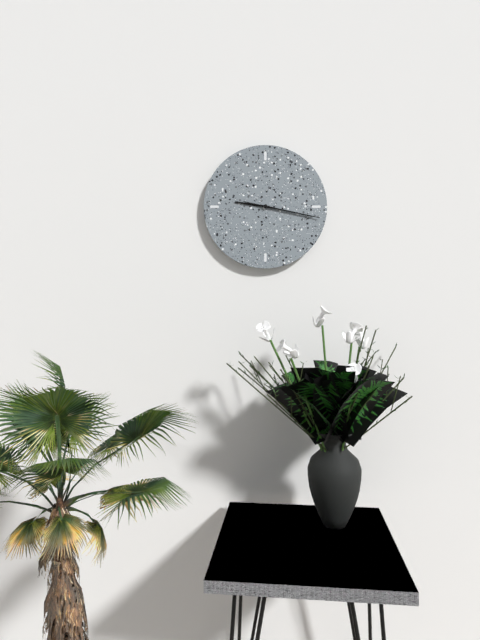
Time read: 9.17.17
